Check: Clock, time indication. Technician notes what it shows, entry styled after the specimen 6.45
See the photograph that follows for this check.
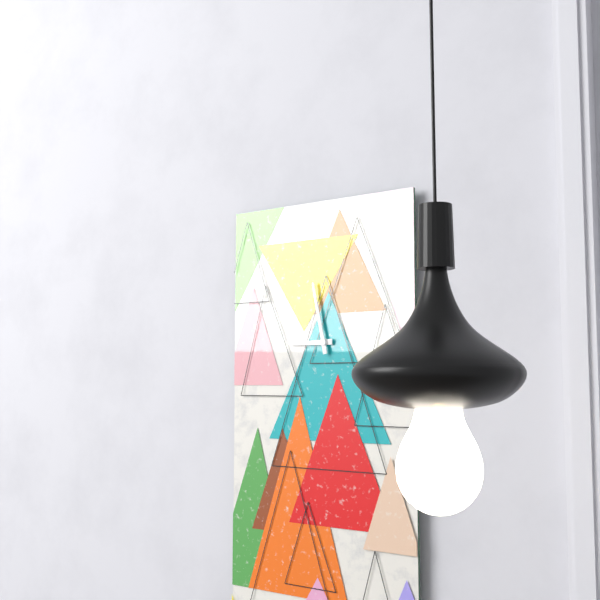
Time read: 8.58
